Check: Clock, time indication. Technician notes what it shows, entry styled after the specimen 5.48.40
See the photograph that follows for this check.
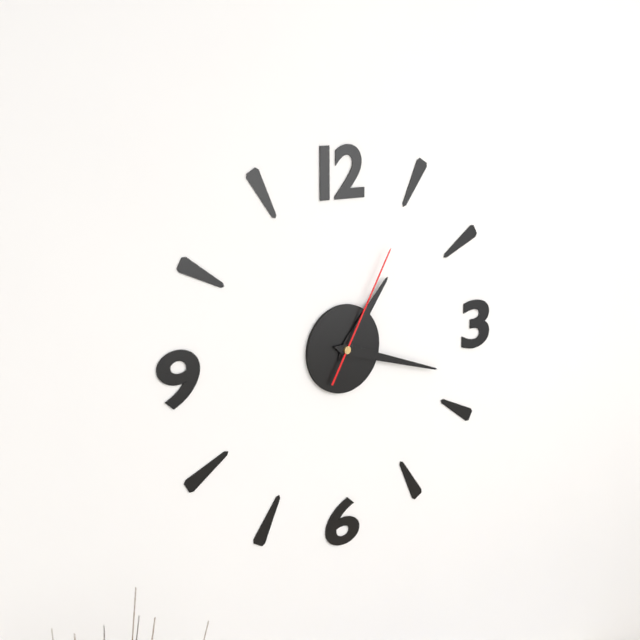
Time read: 1.18.05
